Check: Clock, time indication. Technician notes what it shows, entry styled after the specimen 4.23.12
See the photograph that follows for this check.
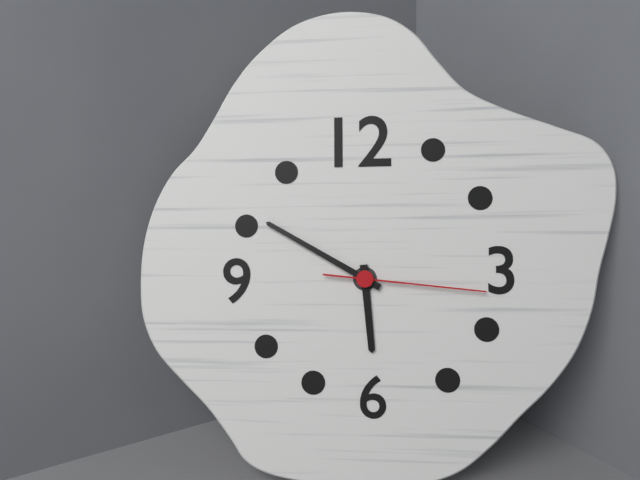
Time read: 5.50.16
